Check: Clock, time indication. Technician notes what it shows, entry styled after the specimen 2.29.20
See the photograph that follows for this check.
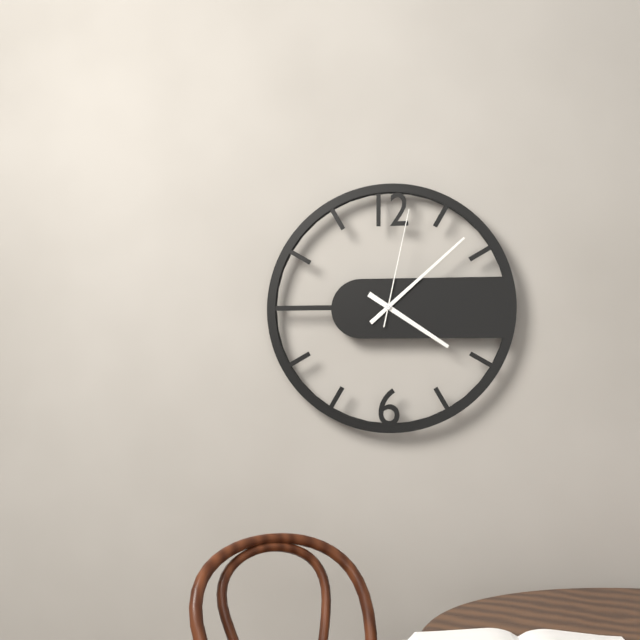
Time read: 4.08.02
